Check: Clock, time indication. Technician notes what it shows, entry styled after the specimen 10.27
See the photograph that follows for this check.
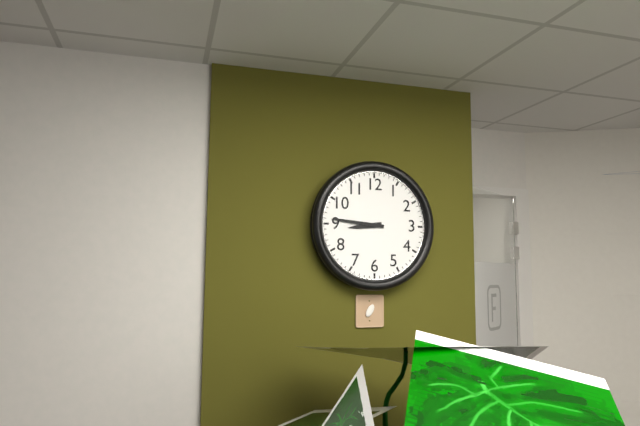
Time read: 8.46
